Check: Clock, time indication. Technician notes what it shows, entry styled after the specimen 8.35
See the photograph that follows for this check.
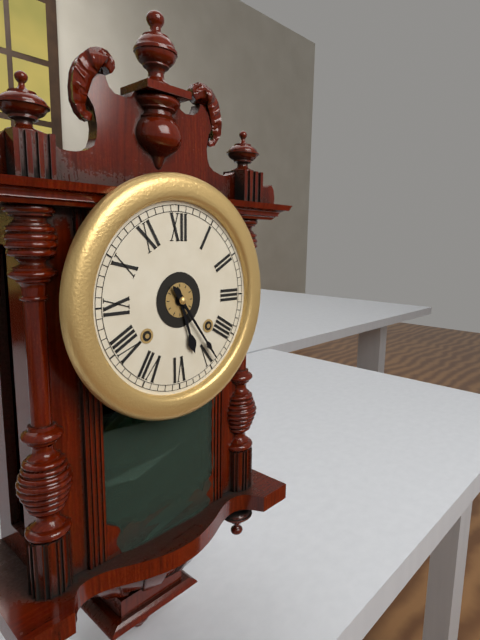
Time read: 5.24
